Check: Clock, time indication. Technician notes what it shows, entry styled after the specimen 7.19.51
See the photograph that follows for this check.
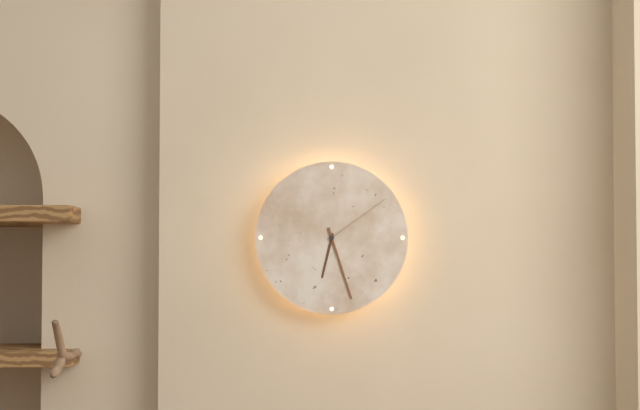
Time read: 6.27.09
